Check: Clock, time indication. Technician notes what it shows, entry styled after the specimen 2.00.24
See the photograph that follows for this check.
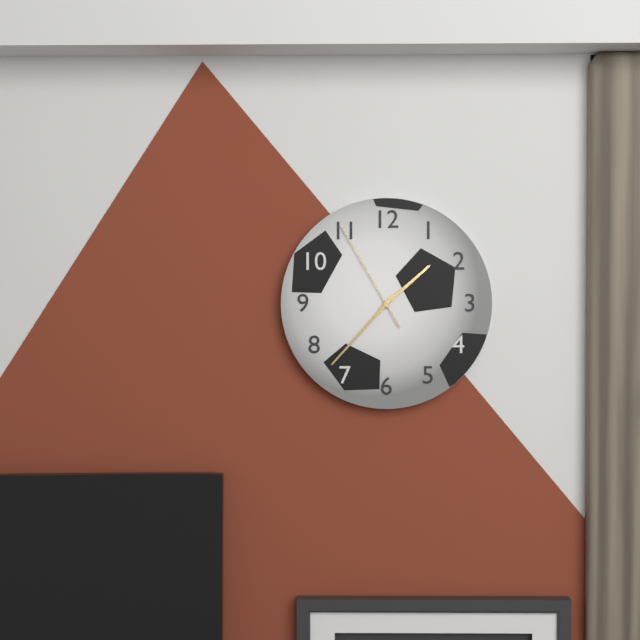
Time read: 1.37.55
